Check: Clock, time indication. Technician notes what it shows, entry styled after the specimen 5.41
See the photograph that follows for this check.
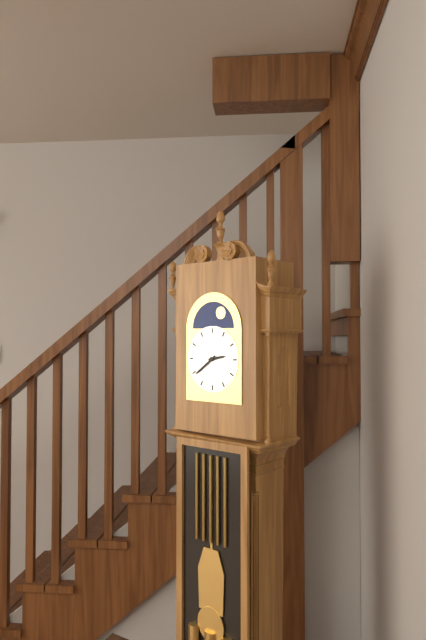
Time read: 2.39
